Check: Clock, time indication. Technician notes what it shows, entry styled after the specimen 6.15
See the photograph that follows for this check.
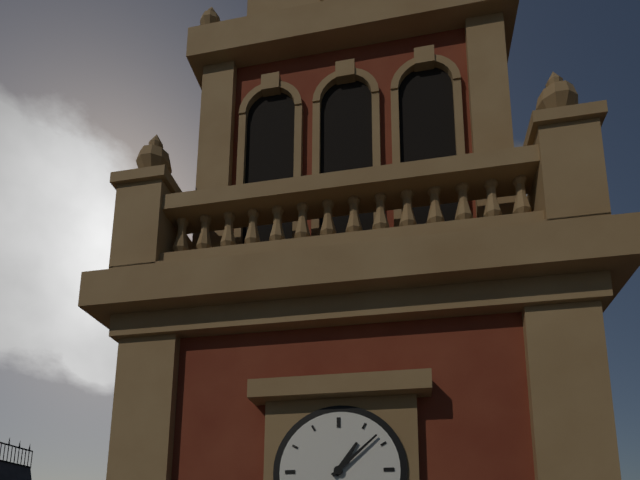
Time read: 1.08
